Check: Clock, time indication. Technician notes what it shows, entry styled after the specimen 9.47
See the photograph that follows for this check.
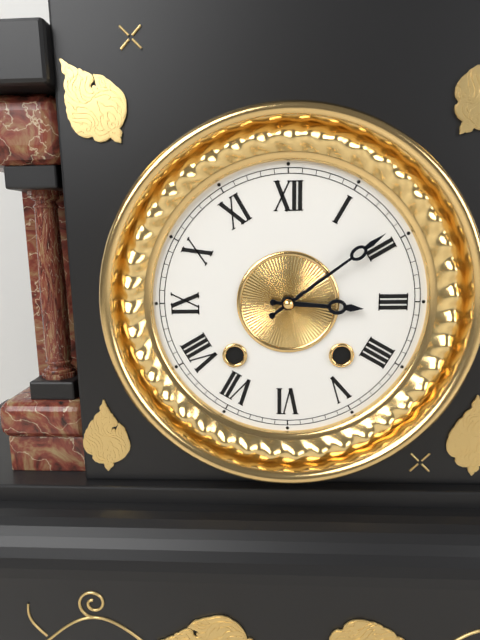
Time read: 3.09
